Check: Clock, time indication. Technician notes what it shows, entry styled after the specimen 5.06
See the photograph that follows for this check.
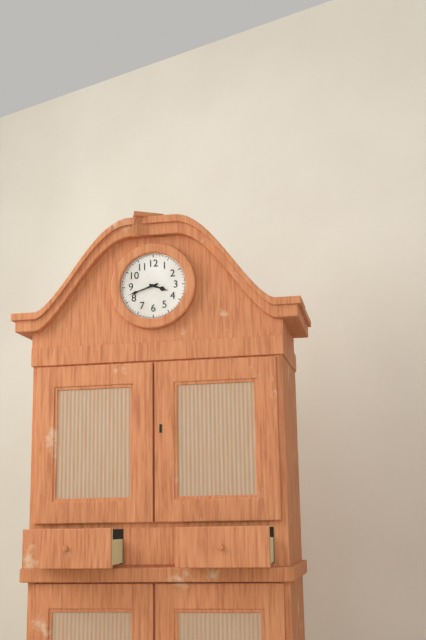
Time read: 3.42
